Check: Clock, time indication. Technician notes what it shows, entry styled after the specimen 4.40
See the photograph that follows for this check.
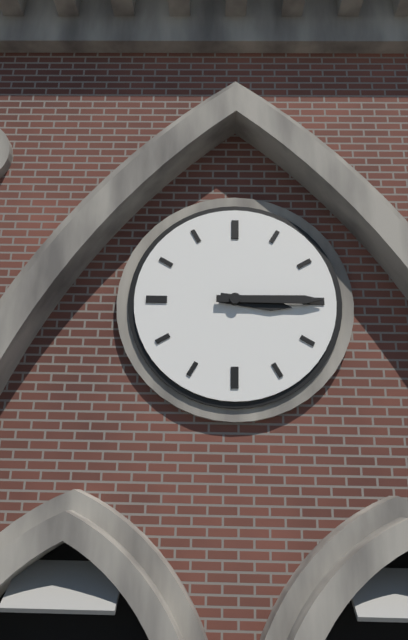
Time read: 3.15
